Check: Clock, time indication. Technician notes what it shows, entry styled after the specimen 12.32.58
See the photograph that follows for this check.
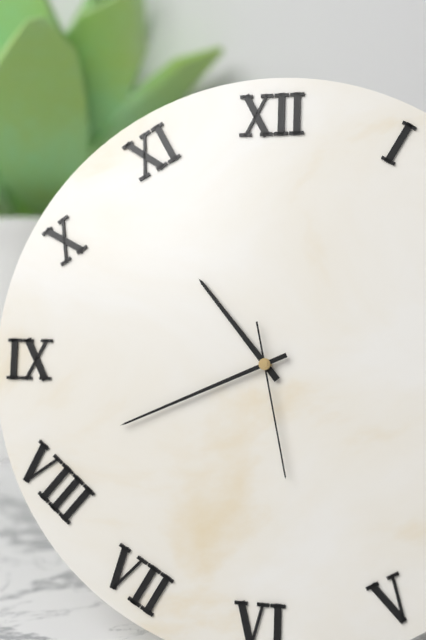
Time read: 10.41.28
